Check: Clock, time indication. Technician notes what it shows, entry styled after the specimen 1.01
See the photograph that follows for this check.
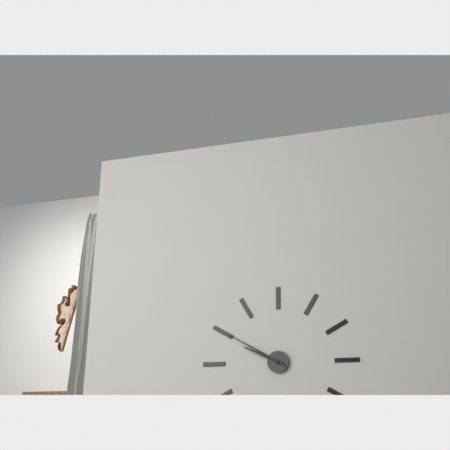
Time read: 9.50
